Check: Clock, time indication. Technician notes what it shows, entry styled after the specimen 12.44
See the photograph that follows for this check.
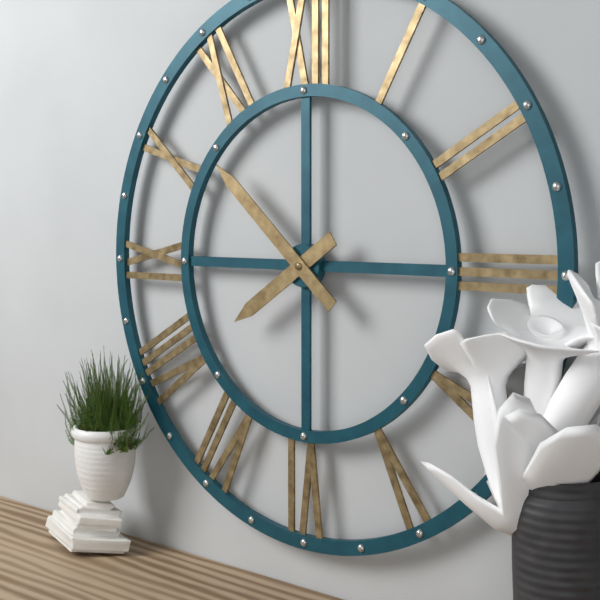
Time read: 7.52
